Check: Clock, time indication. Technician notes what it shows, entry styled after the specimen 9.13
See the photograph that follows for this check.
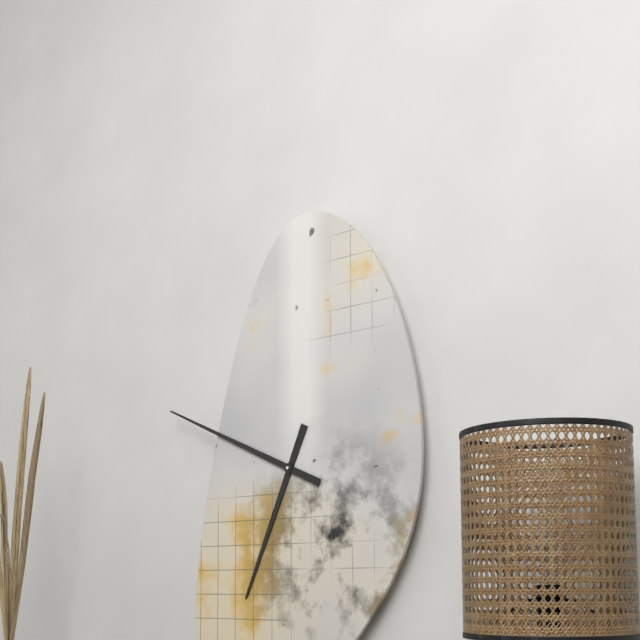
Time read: 6.49
